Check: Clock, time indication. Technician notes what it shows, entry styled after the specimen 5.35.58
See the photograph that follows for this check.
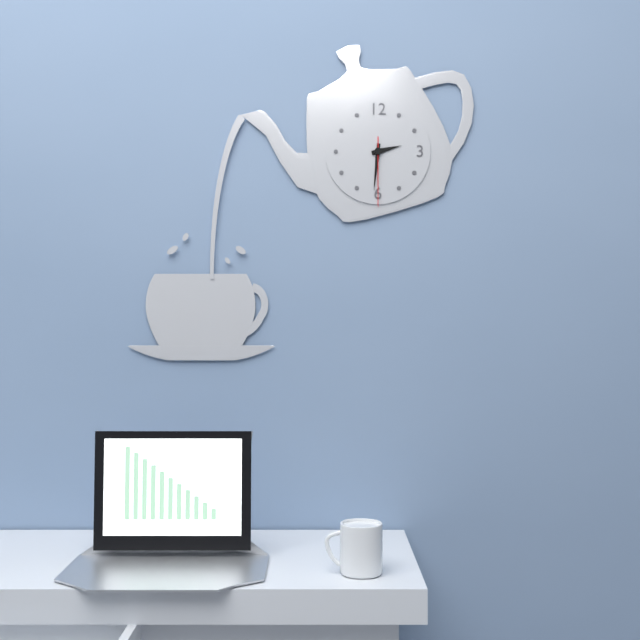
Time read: 2.31.30
